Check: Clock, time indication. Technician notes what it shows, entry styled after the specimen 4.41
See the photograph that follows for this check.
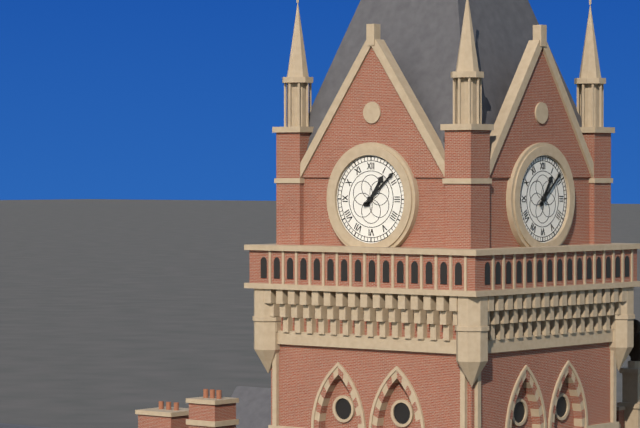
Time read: 1.08
